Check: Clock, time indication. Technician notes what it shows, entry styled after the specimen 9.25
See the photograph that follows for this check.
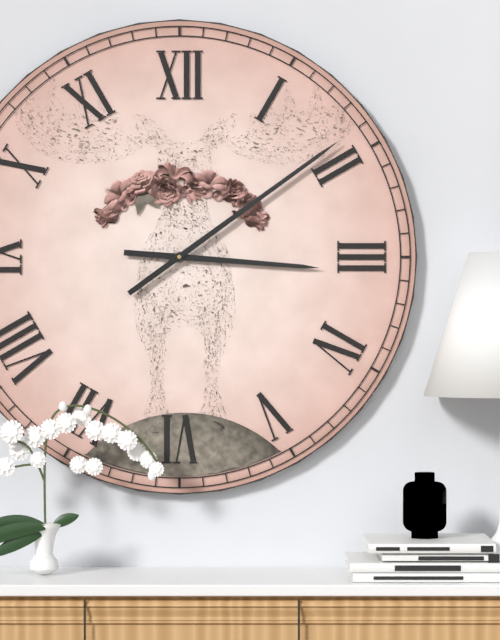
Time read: 3.09
